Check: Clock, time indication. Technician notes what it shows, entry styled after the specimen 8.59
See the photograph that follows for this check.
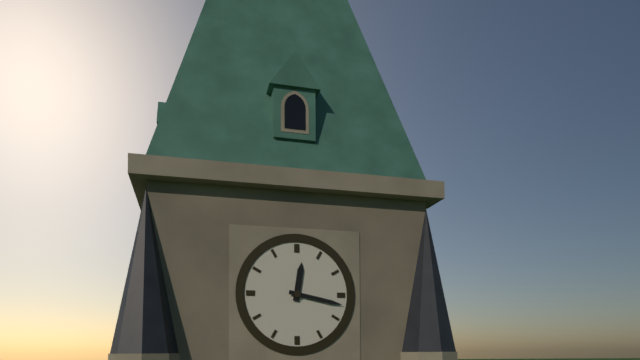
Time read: 12.17
